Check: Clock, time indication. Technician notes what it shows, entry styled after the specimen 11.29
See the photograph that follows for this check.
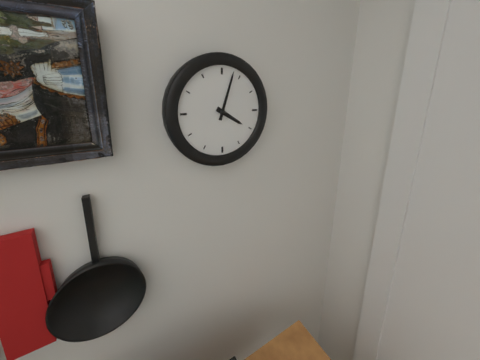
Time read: 4.03
